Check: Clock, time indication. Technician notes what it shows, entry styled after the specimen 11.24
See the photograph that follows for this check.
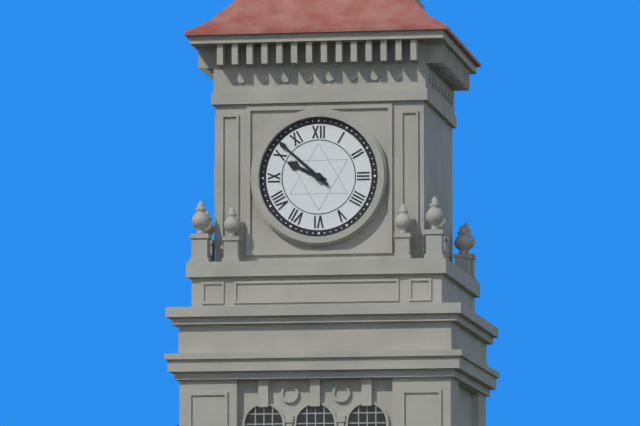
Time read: 9.52
